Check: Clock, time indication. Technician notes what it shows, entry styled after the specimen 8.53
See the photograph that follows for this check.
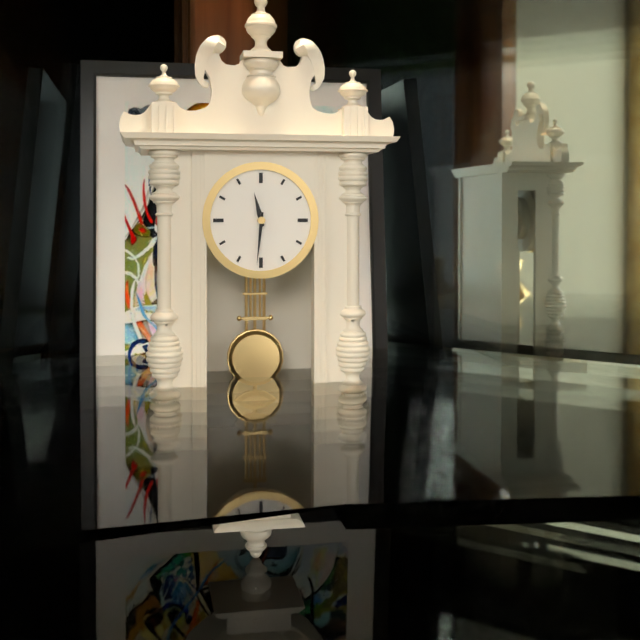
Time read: 11.31
